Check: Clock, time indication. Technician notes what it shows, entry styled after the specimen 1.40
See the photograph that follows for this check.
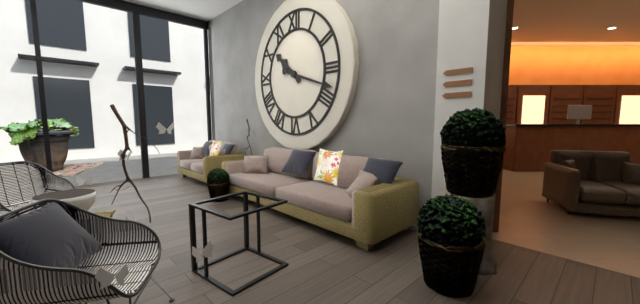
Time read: 10.18
